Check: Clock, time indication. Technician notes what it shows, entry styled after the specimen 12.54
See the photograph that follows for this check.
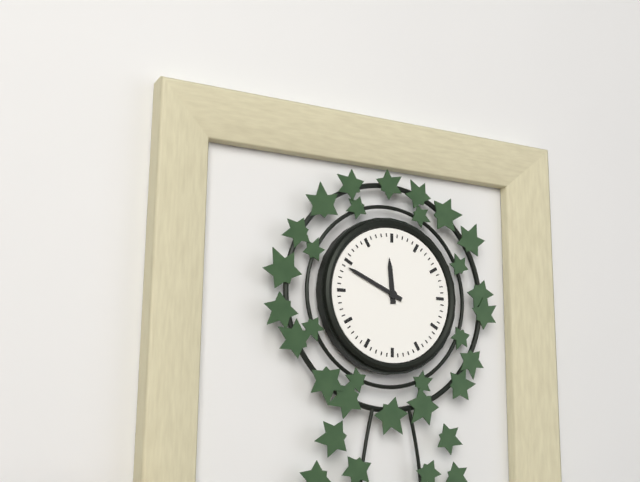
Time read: 11.49
